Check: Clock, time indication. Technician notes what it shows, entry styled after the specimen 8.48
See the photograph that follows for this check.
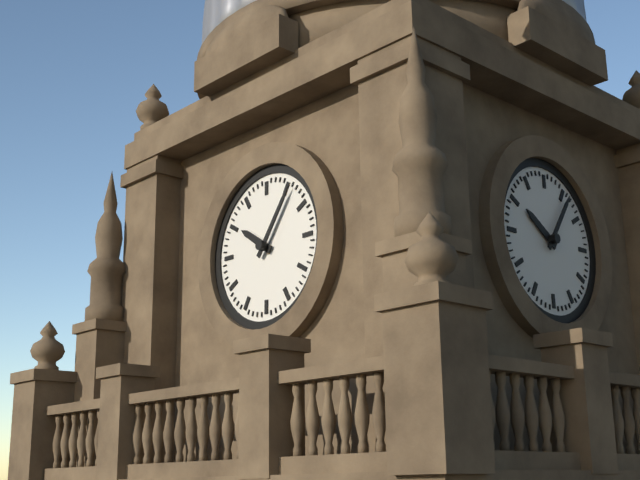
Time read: 10.06
